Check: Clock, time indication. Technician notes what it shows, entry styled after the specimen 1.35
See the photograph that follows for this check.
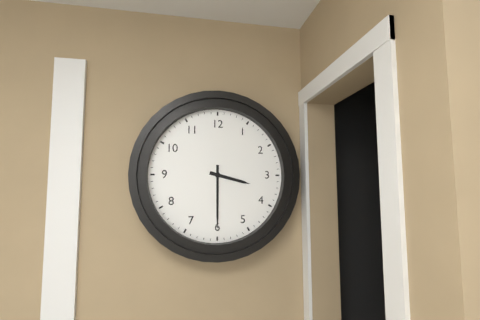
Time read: 3.30
